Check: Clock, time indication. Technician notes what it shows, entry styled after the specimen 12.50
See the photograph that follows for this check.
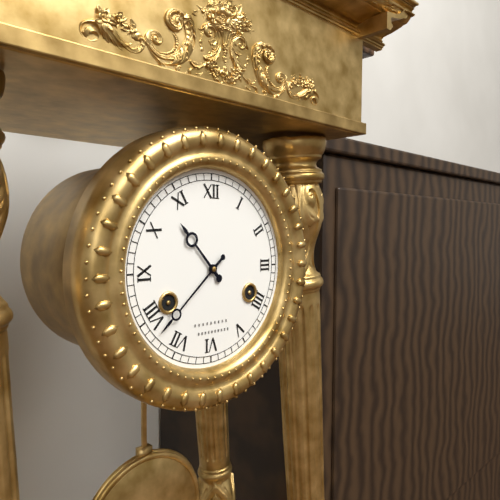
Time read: 10.38
